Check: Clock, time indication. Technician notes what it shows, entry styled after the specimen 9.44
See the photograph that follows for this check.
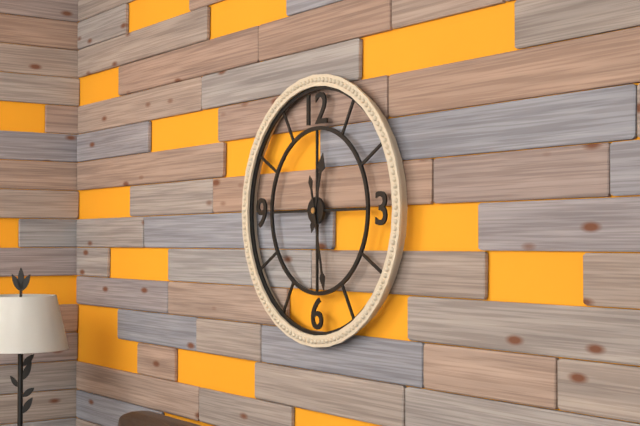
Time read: 12.28
